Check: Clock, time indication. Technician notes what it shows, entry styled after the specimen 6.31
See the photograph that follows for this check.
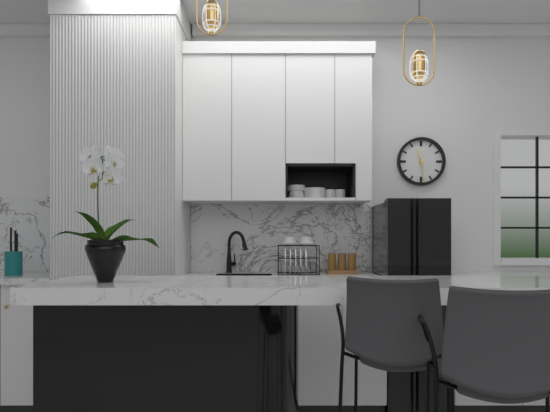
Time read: 11.29
